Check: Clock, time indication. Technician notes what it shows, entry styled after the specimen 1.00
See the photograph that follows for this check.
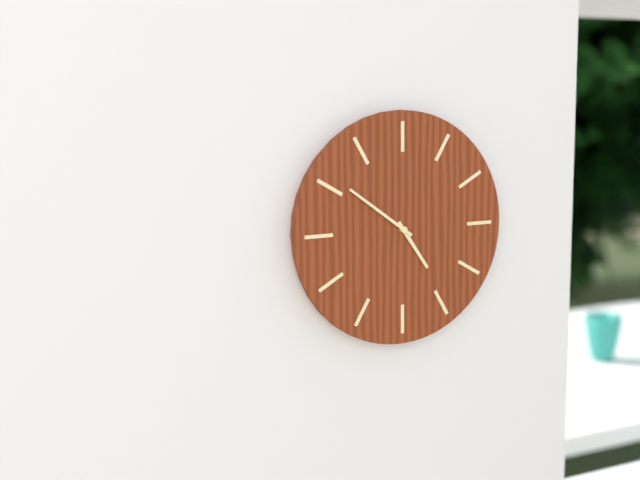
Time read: 4.51
